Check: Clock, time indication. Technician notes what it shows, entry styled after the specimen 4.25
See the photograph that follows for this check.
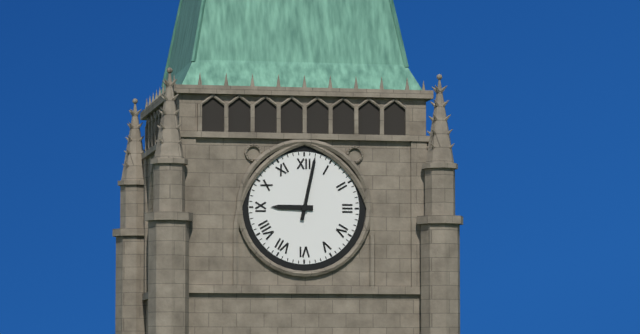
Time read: 9.02
